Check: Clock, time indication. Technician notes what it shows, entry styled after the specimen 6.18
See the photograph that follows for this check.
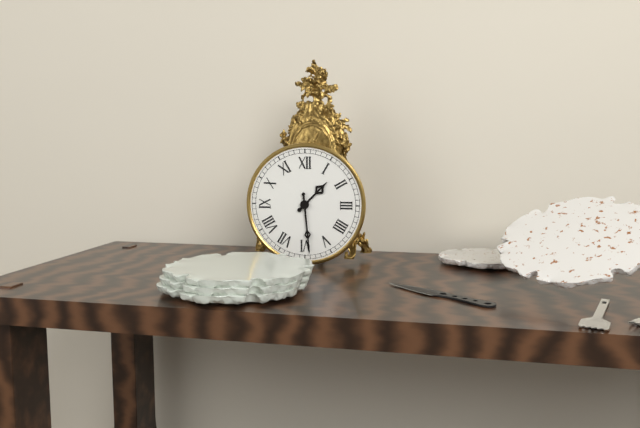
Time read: 1.29
